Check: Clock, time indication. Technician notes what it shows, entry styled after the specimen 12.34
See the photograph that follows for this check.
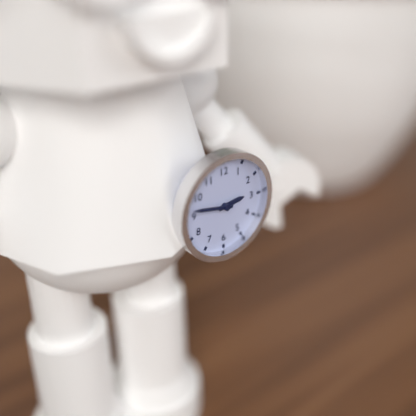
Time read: 2.47
